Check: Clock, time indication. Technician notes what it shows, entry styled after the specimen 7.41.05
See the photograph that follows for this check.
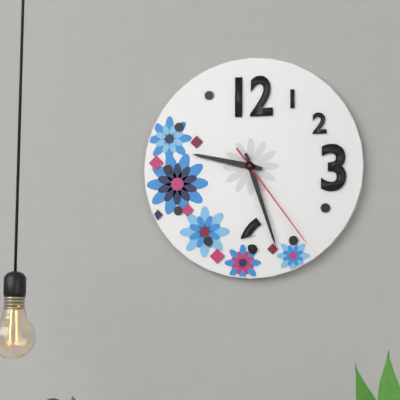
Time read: 9.27.24
